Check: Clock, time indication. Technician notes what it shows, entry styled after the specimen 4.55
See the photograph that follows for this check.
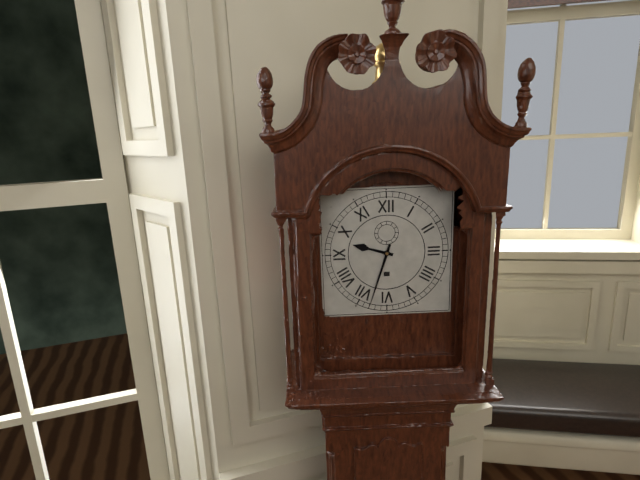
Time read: 9.33
